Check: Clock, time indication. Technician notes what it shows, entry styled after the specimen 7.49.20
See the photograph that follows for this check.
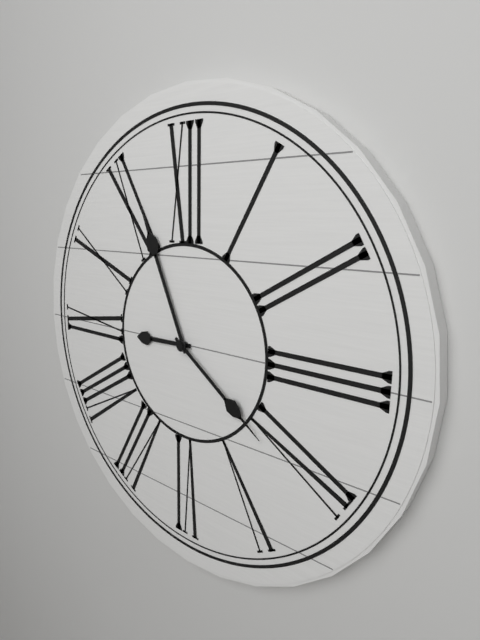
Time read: 8.56.21
